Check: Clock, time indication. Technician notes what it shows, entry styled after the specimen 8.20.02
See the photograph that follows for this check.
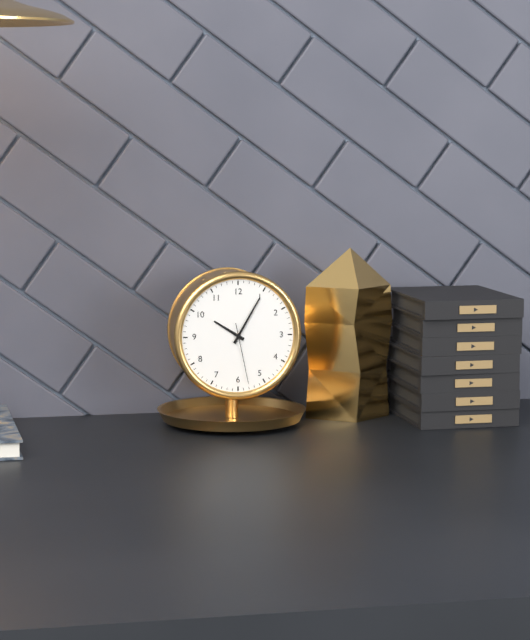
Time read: 10.05.28
